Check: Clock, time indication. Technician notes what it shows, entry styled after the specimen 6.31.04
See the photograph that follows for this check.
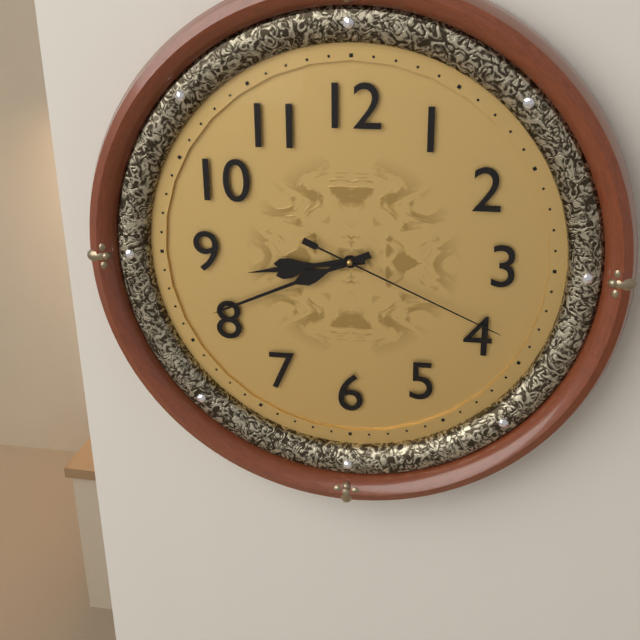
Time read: 8.41.19
